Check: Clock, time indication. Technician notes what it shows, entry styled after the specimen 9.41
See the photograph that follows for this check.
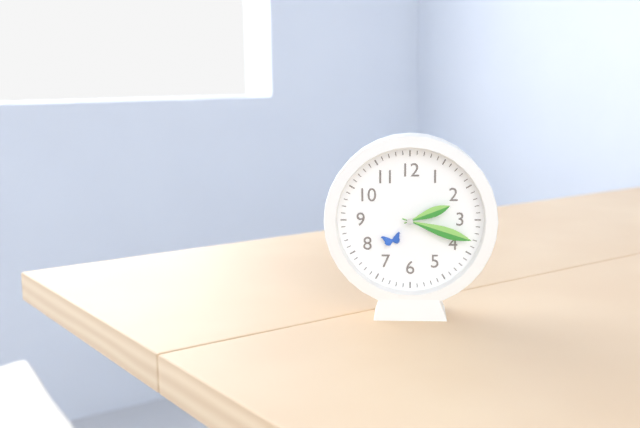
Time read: 2.18
